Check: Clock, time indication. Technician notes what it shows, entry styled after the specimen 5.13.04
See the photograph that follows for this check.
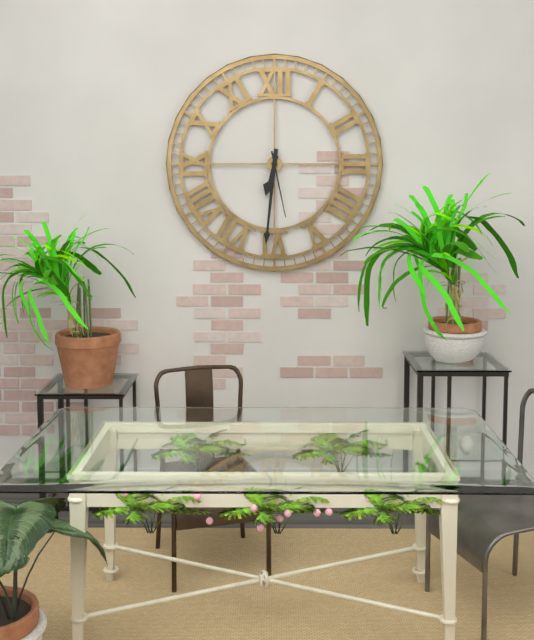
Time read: 6.31.28
